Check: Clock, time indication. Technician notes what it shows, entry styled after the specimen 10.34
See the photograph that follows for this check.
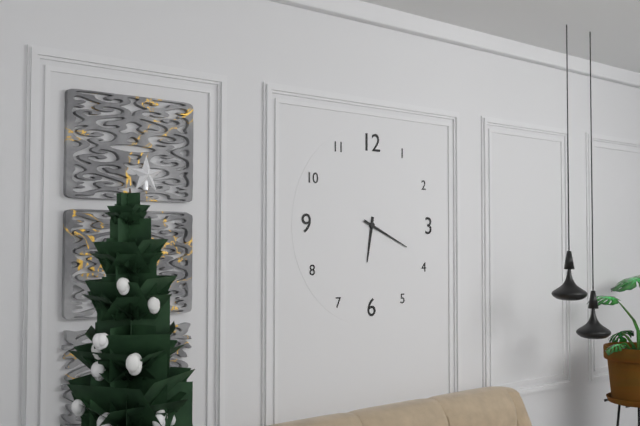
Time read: 6.19
